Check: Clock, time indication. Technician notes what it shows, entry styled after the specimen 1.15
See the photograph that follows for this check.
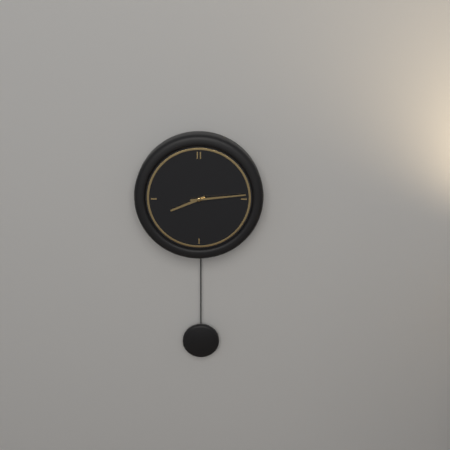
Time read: 8.14
